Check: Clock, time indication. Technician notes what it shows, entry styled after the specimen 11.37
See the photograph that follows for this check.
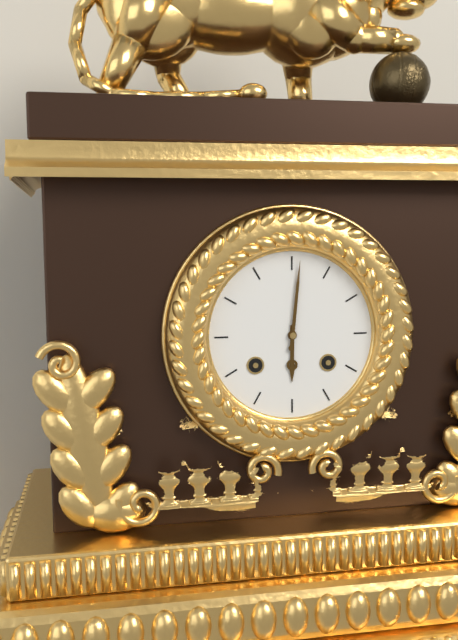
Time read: 6.01
